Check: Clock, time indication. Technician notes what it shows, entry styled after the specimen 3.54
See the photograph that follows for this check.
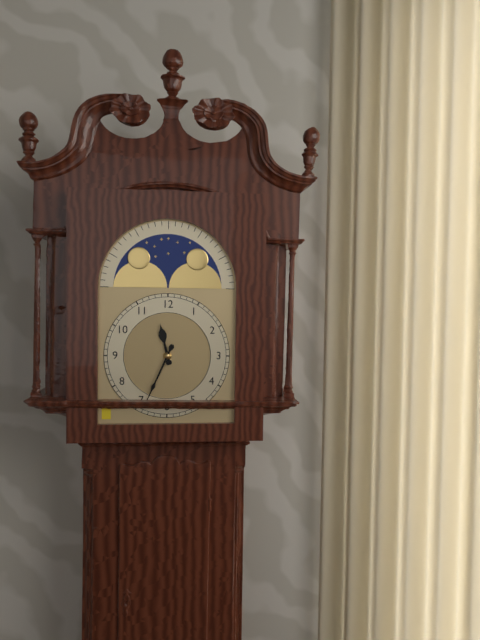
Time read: 11.34
